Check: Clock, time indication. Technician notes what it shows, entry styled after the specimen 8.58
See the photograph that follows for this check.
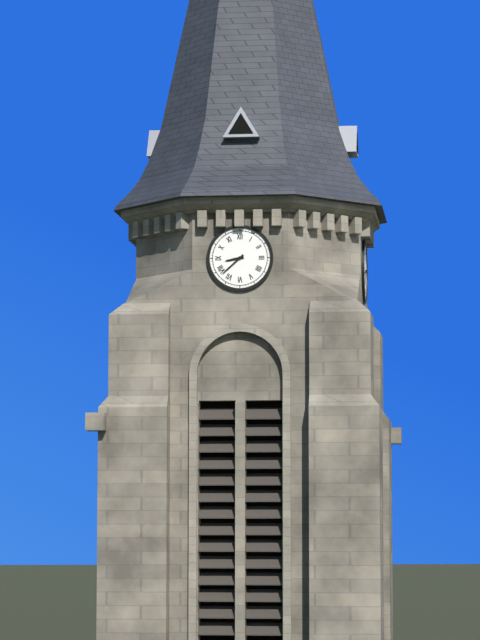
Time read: 8.38
